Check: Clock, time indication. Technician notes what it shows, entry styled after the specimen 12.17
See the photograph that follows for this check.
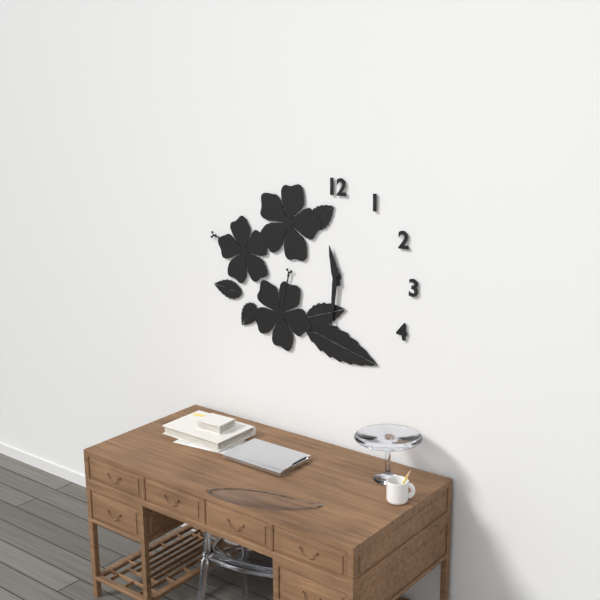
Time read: 11.31
